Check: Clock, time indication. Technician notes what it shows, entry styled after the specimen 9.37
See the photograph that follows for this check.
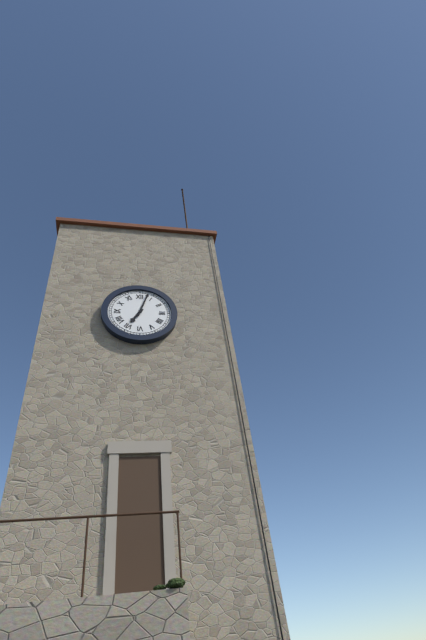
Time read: 7.03
